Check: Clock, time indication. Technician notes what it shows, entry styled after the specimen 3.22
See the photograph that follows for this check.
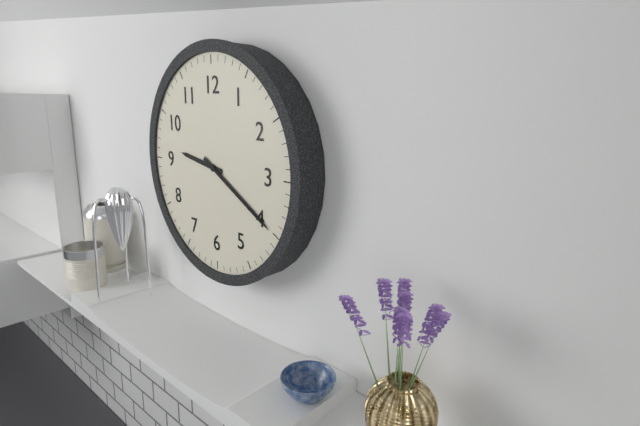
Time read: 9.20
